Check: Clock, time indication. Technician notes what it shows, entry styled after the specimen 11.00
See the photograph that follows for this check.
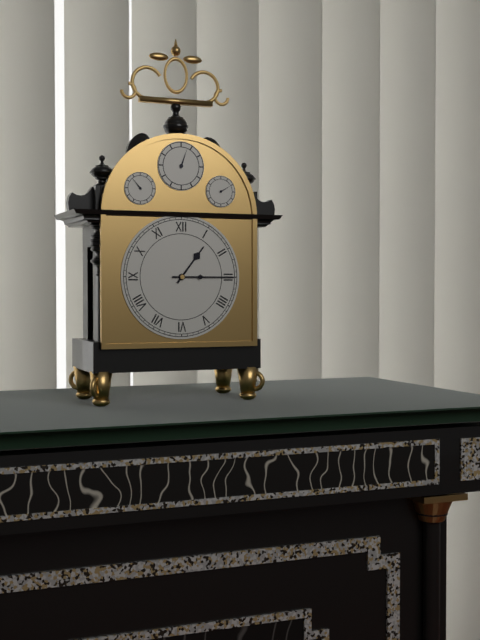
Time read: 1.15
